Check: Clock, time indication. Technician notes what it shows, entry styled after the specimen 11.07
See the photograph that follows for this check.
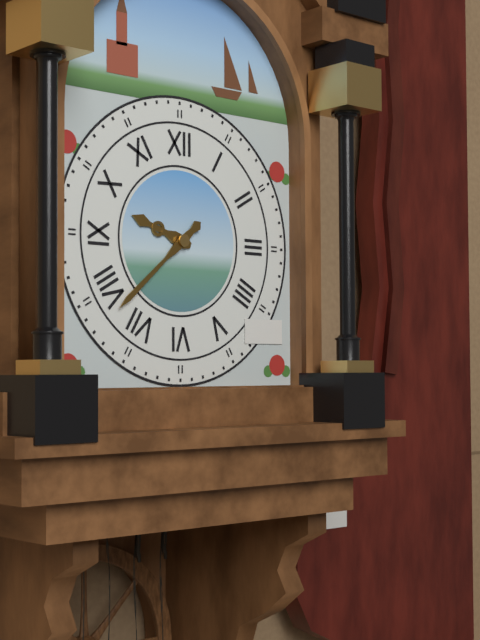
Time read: 9.38
